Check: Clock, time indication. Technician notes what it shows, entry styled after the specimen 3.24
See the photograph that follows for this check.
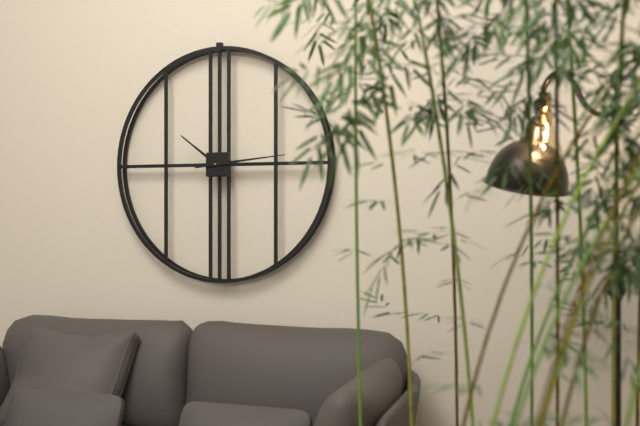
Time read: 10.14
